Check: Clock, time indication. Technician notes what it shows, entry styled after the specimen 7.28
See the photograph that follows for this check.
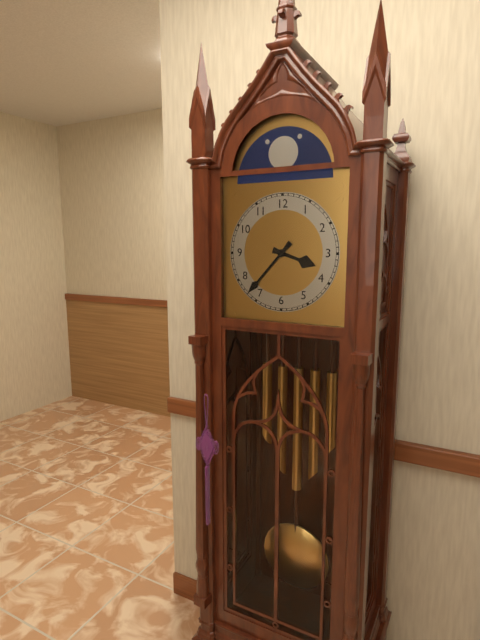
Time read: 3.37
